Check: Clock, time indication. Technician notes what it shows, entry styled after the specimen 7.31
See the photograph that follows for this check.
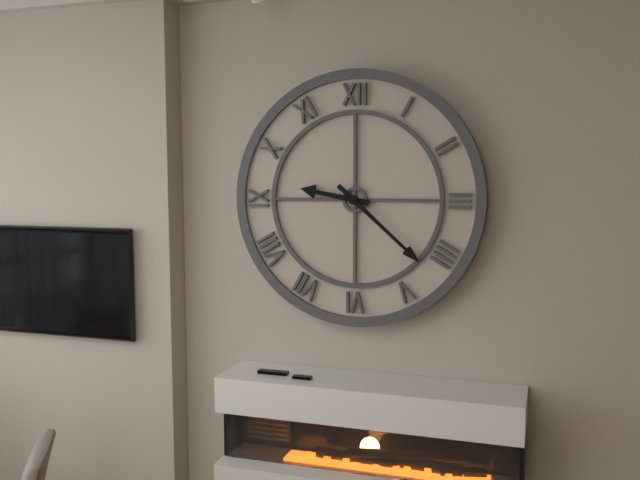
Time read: 9.22
